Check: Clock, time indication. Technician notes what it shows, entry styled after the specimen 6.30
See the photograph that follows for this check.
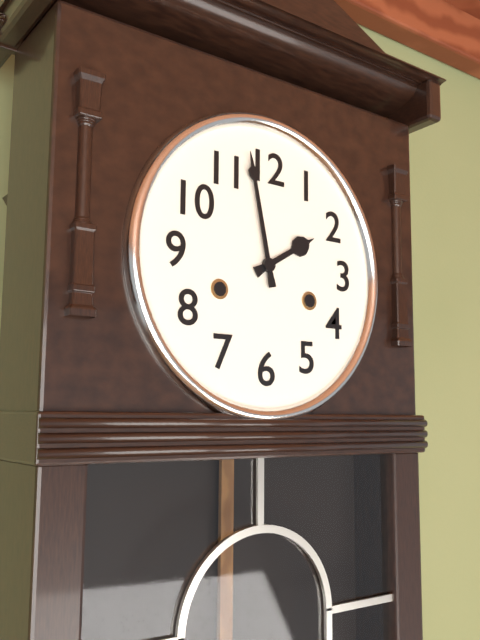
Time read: 1.58
